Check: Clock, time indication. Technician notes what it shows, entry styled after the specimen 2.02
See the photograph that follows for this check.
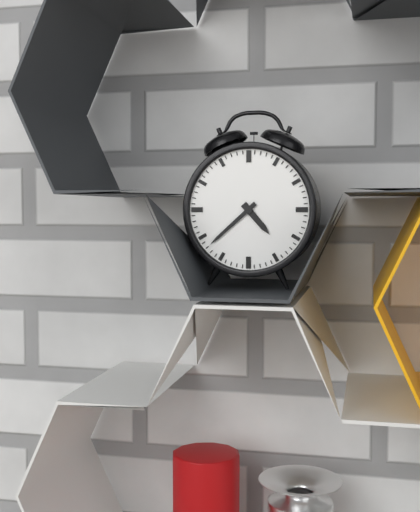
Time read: 4.38
